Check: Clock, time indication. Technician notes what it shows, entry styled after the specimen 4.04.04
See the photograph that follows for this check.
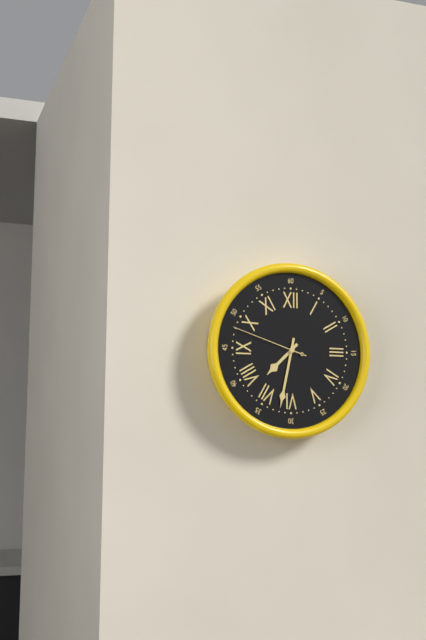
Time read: 7.32.48
